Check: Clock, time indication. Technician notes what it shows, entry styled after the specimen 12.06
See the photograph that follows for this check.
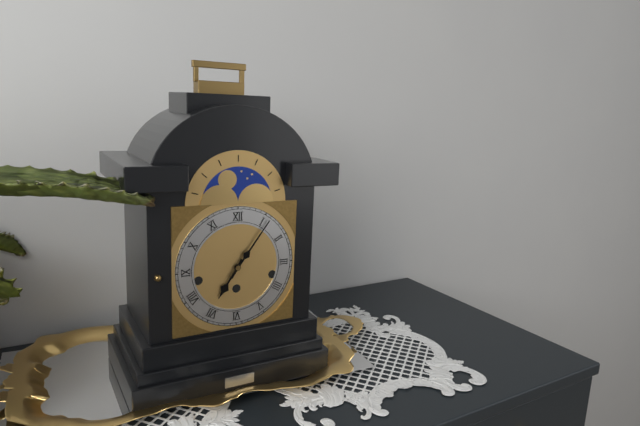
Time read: 7.06
